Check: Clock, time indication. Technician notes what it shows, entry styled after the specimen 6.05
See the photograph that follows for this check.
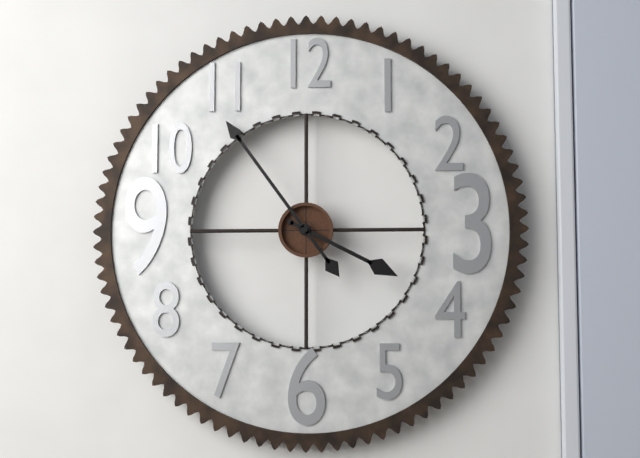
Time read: 3.54
